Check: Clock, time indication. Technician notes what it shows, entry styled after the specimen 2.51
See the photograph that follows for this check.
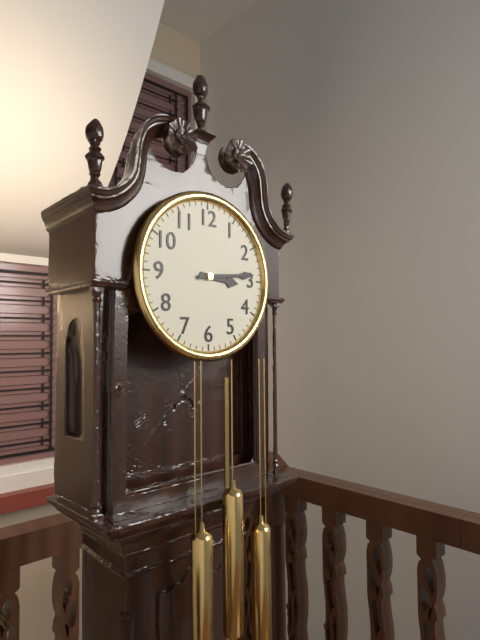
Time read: 3.14
